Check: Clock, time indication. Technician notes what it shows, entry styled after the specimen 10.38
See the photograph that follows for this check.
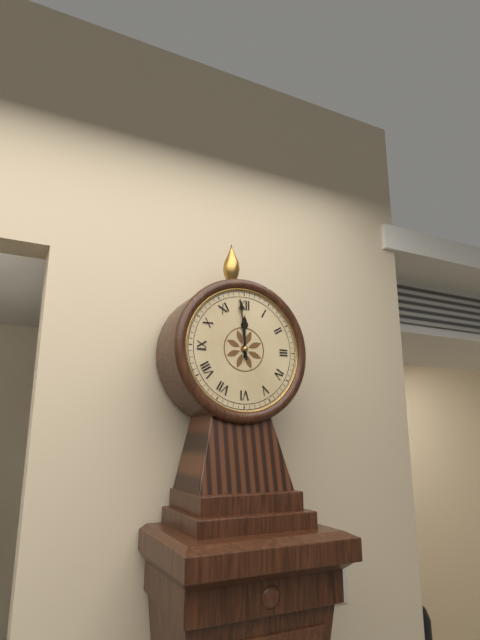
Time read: 11.59
